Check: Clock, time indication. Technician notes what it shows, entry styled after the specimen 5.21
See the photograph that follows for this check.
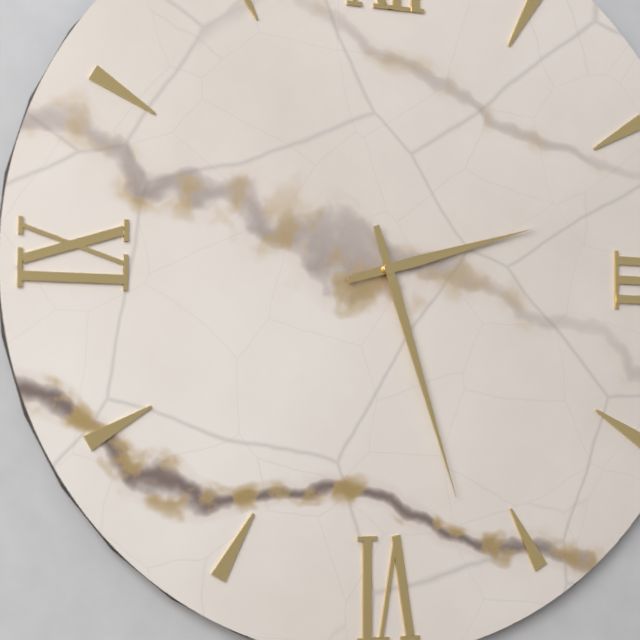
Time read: 2.27
